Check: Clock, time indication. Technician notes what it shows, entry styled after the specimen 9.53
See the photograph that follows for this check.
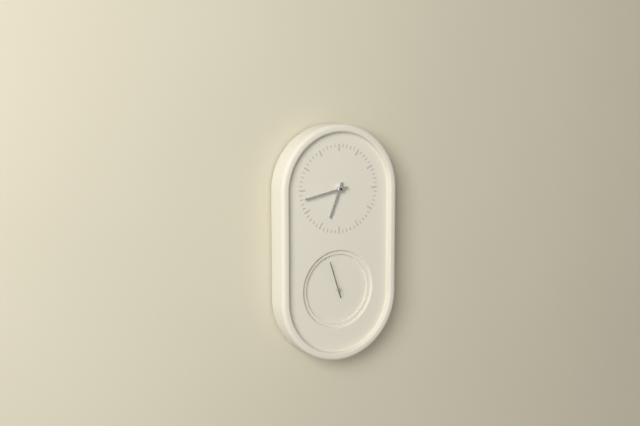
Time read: 6.43
